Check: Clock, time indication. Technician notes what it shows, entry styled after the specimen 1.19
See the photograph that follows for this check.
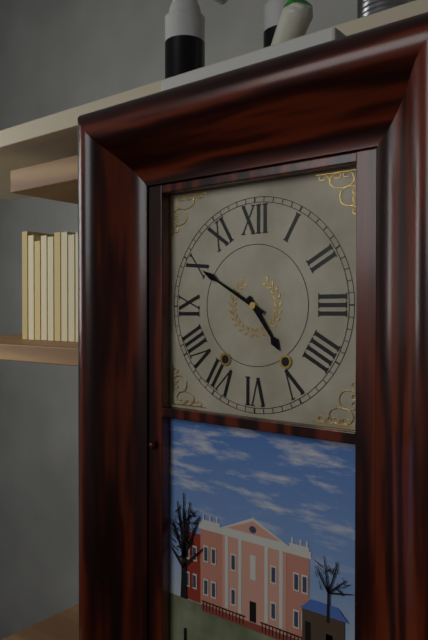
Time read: 4.50
